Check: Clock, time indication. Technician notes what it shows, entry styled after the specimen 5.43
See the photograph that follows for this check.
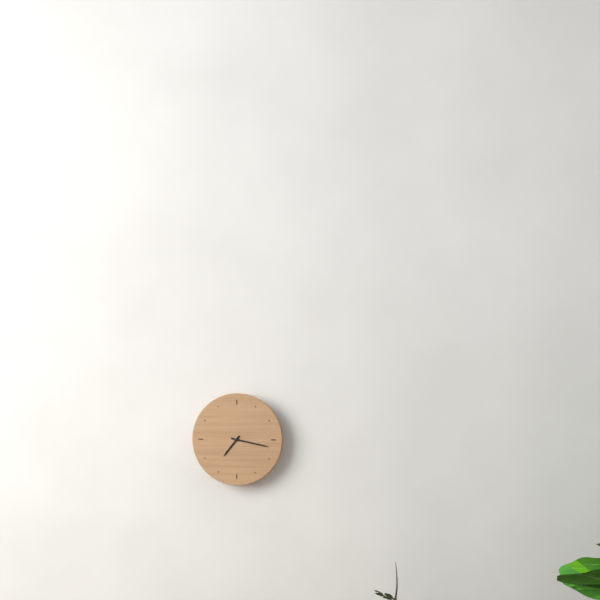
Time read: 7.17
